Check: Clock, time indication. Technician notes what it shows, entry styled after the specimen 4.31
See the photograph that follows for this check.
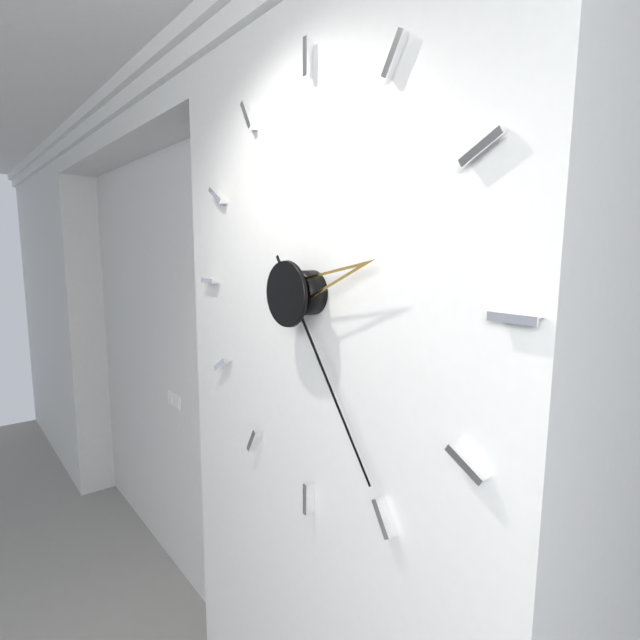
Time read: 2.24
